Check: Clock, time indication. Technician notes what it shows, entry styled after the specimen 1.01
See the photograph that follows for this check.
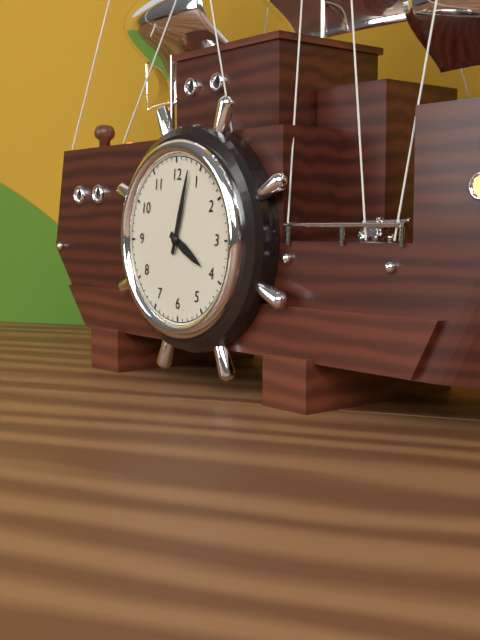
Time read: 4.03
